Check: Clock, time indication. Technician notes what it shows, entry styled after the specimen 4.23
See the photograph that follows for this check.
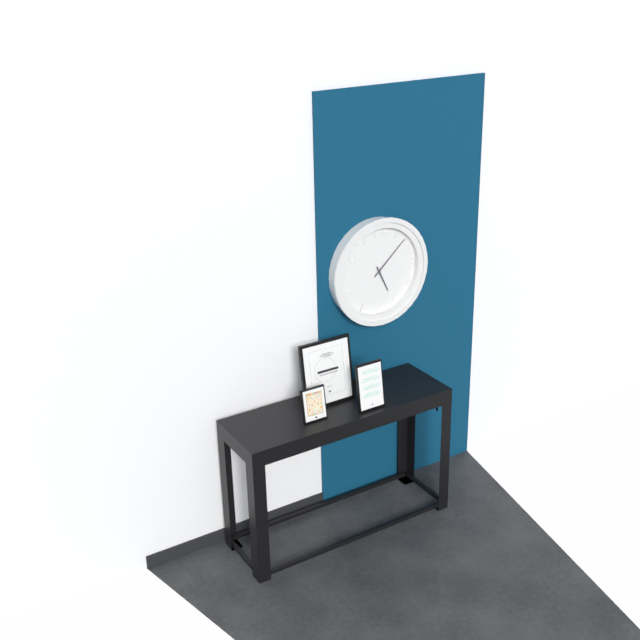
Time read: 5.08
